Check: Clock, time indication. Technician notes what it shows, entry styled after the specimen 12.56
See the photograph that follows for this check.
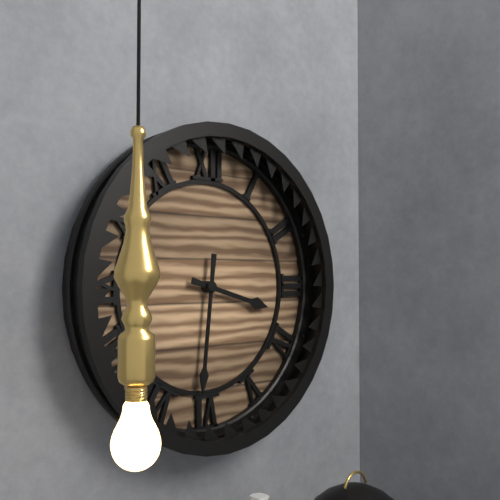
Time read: 3.31
